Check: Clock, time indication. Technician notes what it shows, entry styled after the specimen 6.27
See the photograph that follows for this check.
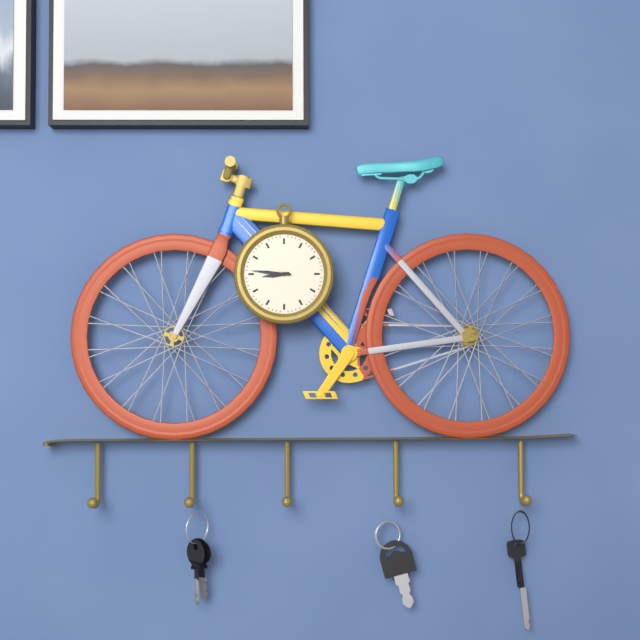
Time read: 8.46
